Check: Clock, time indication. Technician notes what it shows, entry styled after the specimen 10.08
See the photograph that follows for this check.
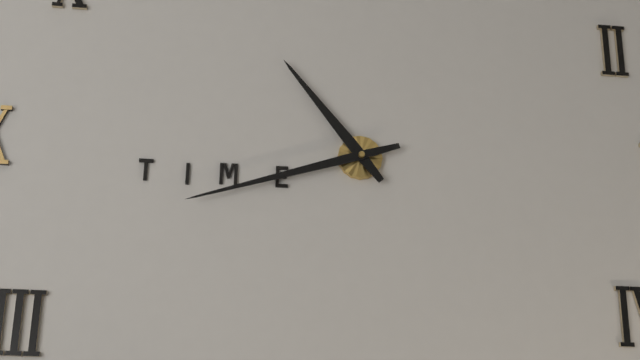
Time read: 10.42
